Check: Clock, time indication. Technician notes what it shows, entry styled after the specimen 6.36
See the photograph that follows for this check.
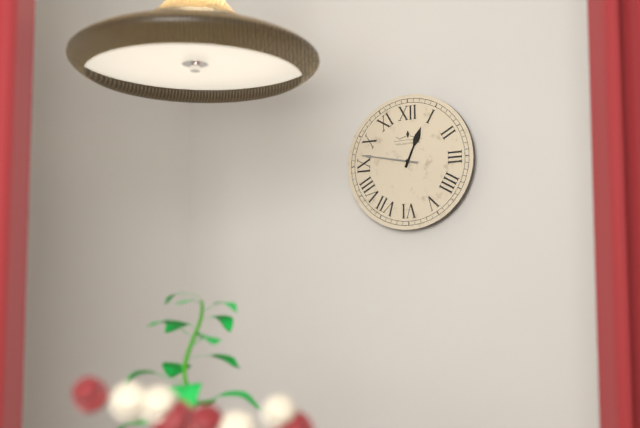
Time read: 12.47
